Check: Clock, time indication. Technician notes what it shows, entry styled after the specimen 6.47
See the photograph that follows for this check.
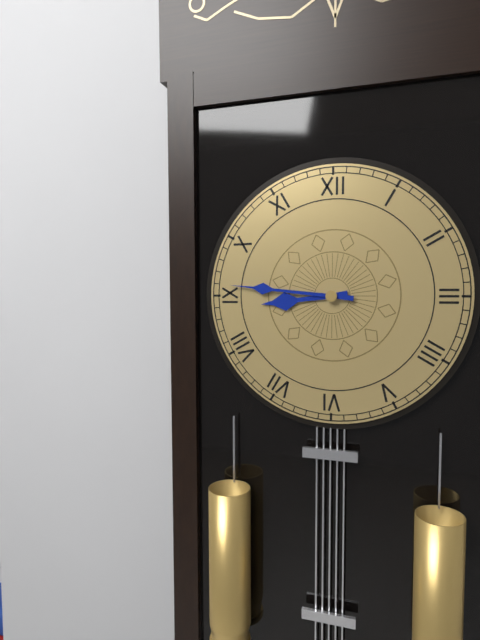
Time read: 8.46
